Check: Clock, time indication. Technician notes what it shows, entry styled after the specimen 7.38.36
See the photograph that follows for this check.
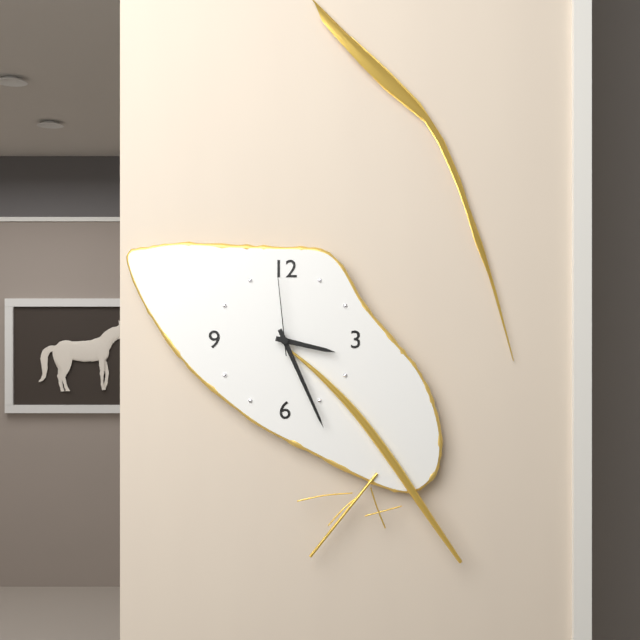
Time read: 3.26.59
